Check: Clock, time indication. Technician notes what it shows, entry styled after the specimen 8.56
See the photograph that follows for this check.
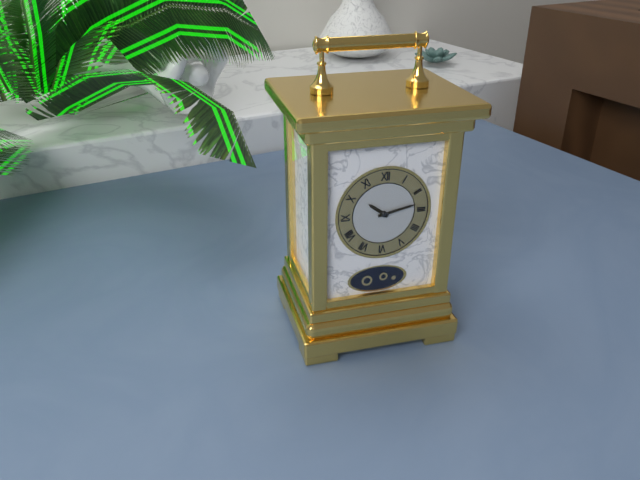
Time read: 10.13
